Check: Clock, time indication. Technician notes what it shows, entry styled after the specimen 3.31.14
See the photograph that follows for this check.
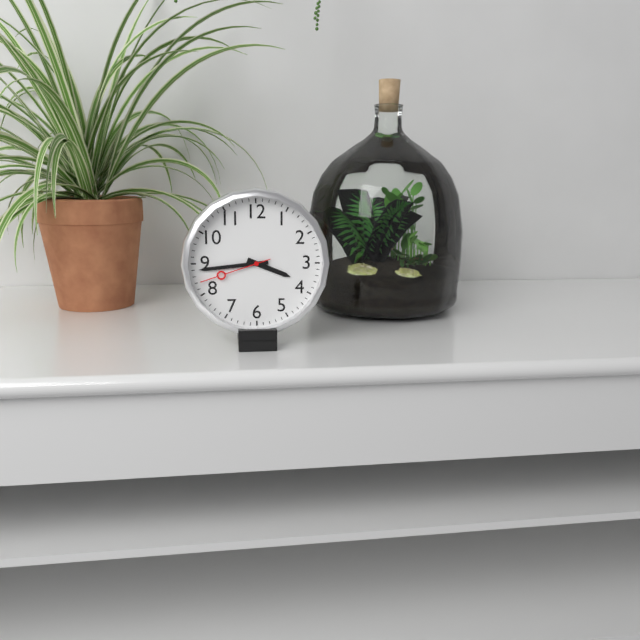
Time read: 3.44.42
